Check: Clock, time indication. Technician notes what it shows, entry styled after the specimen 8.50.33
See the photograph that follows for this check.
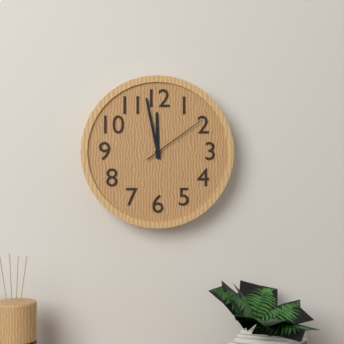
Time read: 11.58.09
